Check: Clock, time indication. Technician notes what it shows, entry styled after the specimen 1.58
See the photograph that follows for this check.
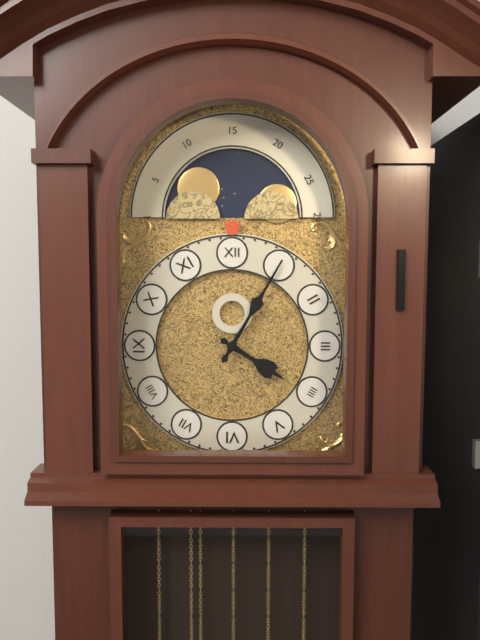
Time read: 4.05
